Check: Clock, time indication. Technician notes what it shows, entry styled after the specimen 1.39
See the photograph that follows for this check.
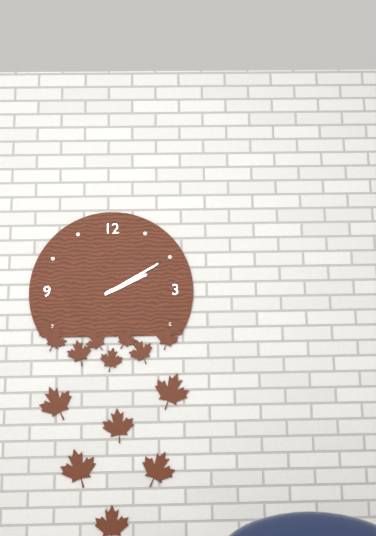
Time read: 2.10
